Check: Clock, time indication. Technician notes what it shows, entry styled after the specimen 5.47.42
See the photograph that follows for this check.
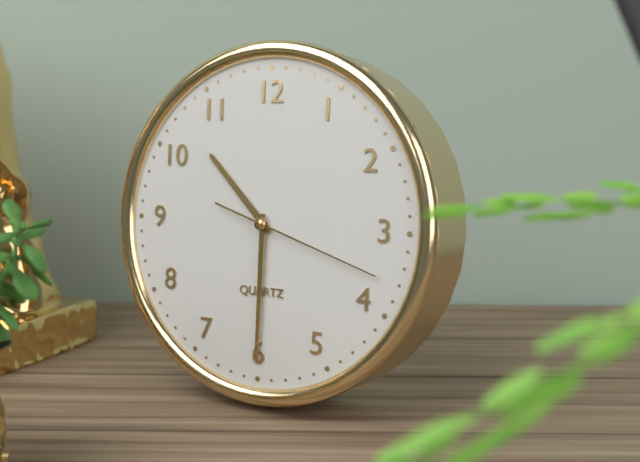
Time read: 10.30.18
